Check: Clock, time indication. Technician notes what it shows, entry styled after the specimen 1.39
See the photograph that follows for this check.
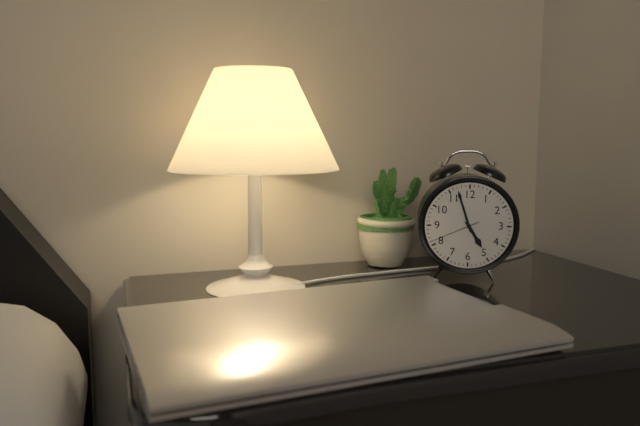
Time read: 4.57
